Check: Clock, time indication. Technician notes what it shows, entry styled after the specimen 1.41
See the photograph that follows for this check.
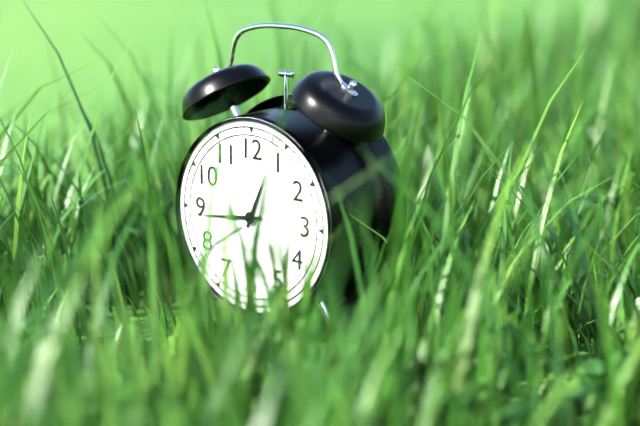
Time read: 12.44
